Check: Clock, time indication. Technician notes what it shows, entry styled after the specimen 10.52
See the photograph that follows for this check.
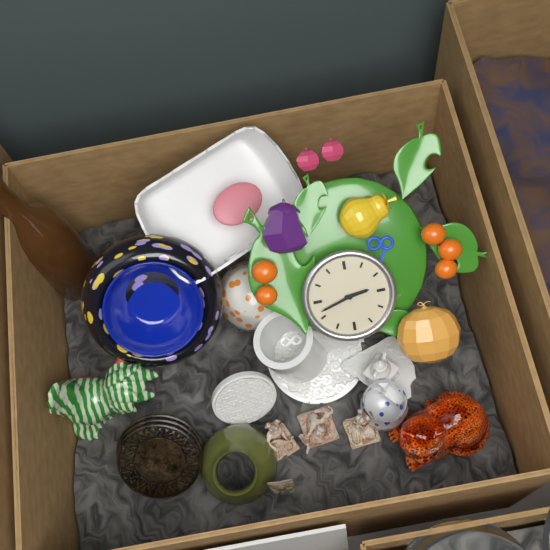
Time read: 2.42
